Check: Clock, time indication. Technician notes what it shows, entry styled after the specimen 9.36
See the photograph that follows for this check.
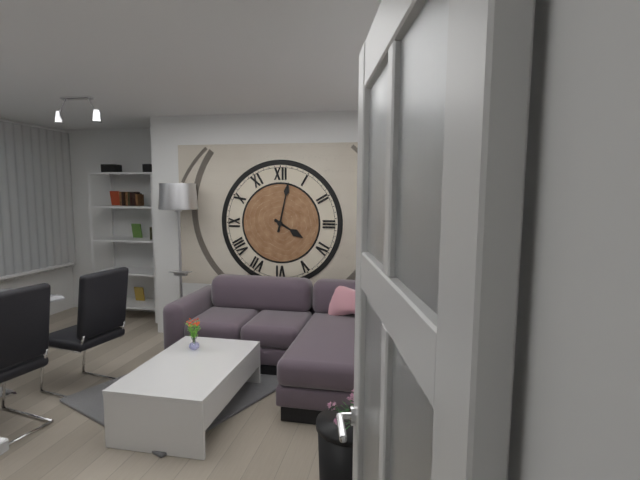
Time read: 4.02
